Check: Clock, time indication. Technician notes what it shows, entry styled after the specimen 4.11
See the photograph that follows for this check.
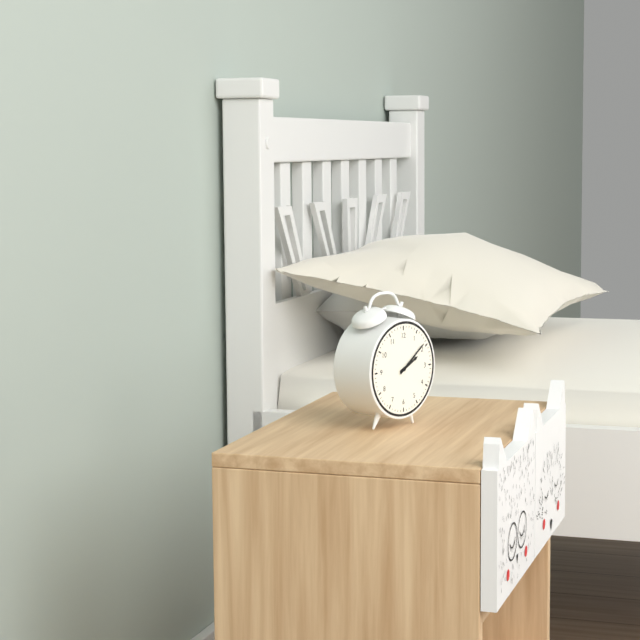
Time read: 2.09
